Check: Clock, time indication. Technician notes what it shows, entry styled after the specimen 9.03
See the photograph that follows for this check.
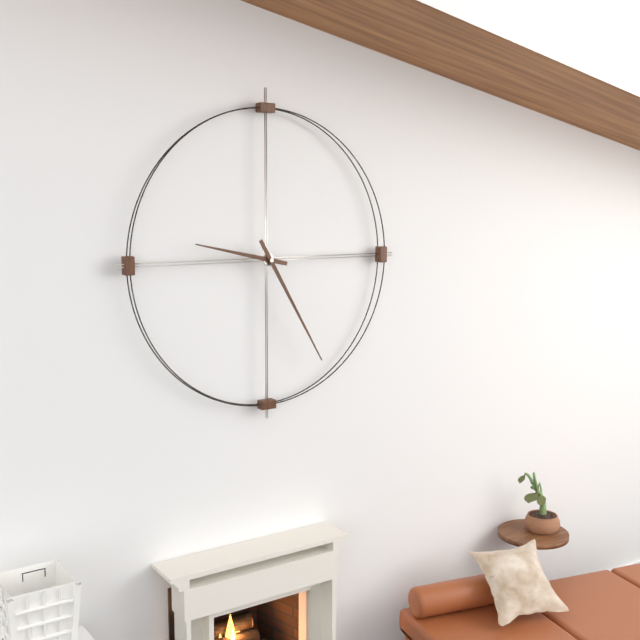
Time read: 9.25
